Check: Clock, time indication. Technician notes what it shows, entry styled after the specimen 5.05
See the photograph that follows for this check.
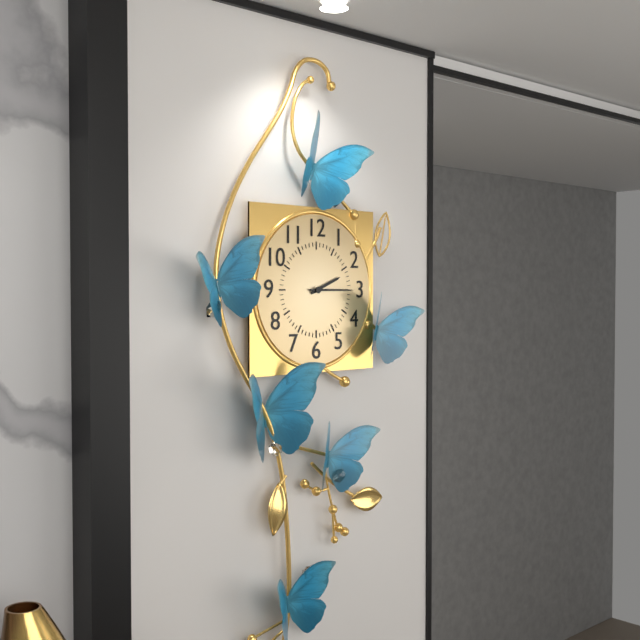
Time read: 2.15
